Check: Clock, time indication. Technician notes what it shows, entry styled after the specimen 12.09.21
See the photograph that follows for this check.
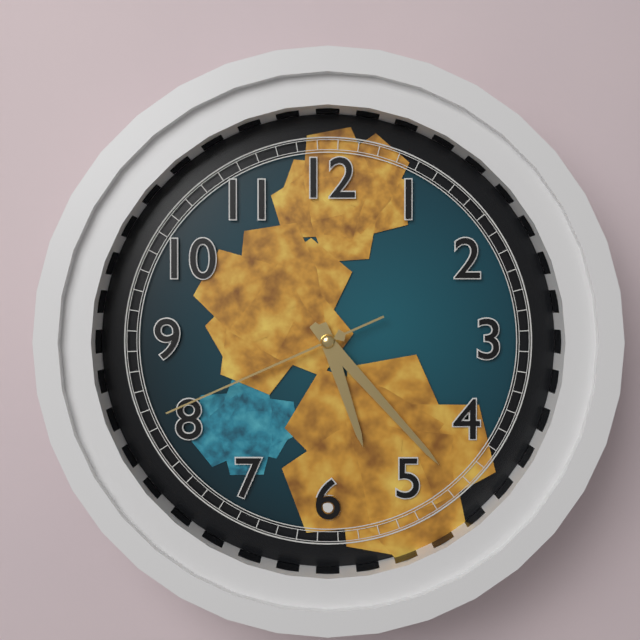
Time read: 5.23.41
